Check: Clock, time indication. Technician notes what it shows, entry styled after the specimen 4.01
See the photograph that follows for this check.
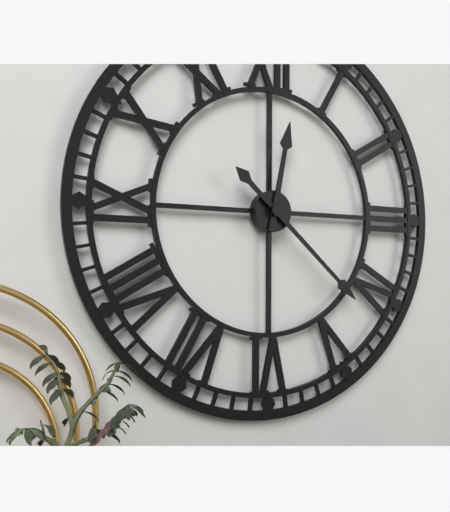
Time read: 12.22
